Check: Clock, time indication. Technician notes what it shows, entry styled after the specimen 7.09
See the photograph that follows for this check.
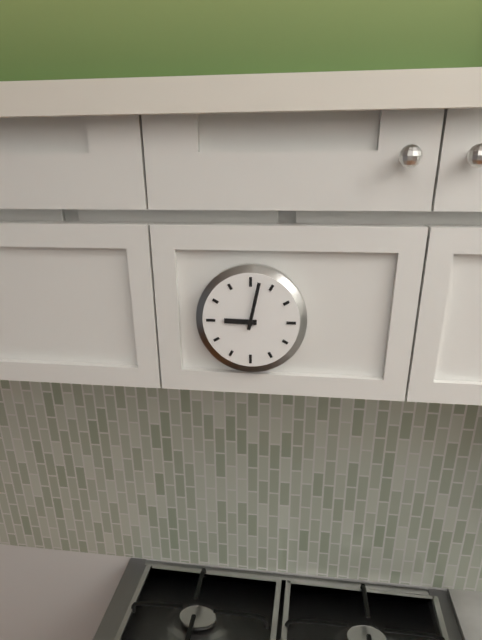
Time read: 9.02
